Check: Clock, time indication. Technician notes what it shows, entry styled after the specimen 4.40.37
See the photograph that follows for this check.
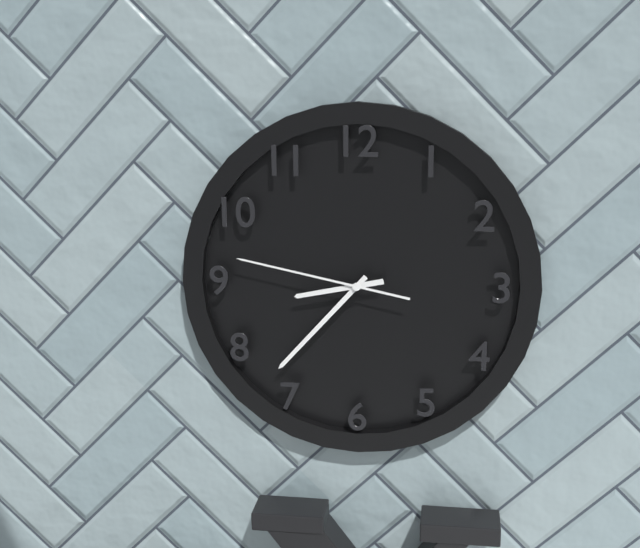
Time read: 8.37.47
